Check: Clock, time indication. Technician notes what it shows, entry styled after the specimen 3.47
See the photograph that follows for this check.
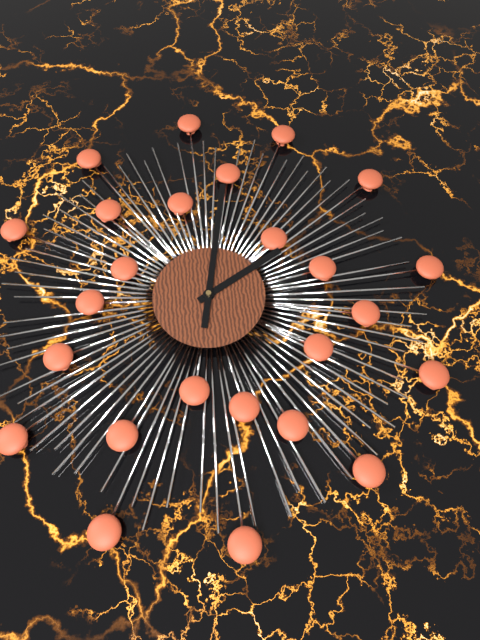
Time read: 2.02
